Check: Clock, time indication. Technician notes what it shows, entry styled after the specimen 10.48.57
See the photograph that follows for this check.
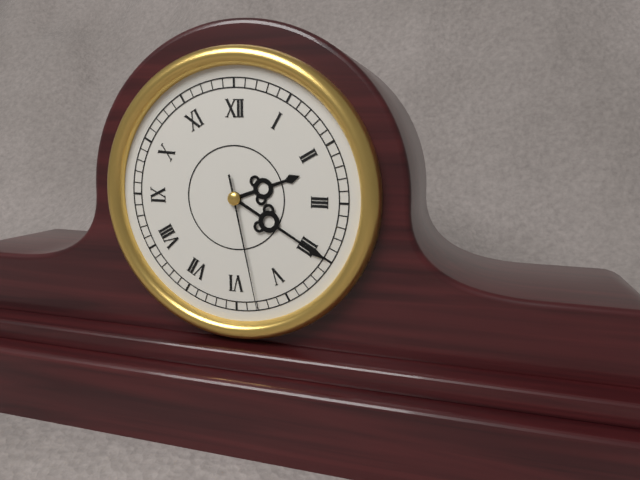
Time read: 2.20.28
